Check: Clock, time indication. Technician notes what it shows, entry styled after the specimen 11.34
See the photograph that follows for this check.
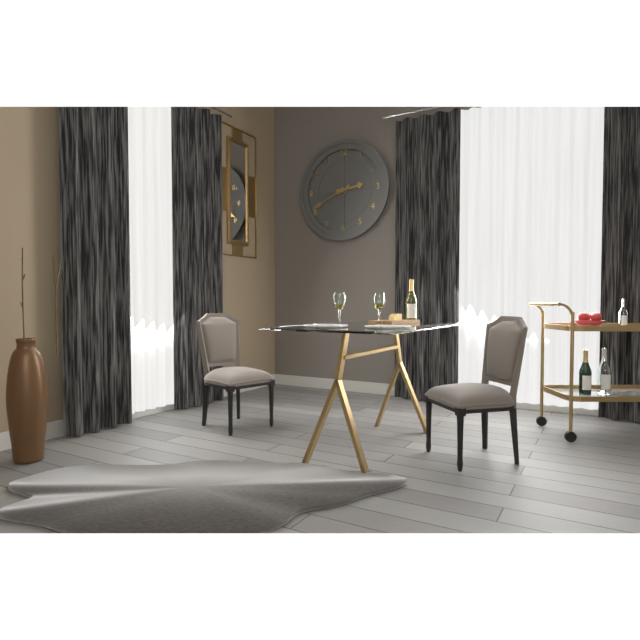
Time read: 2.41
